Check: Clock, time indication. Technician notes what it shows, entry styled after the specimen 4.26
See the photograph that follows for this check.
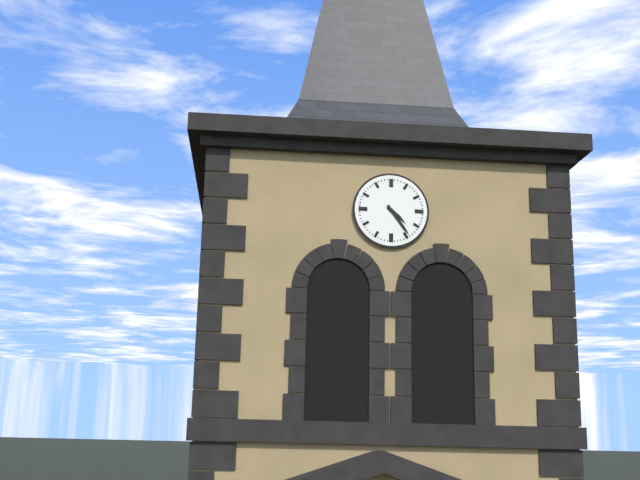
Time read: 4.24
